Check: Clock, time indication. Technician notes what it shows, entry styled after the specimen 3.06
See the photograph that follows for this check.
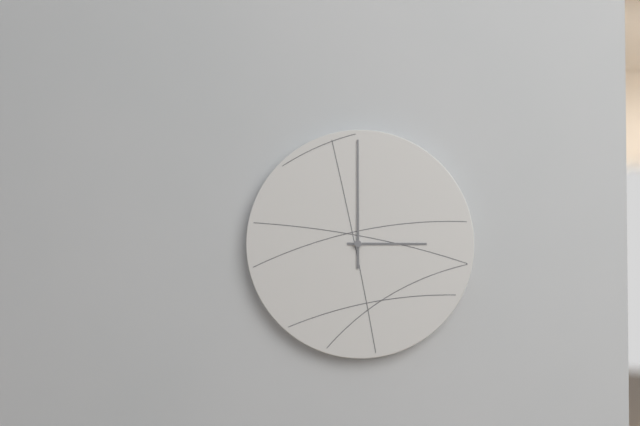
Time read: 3.00
